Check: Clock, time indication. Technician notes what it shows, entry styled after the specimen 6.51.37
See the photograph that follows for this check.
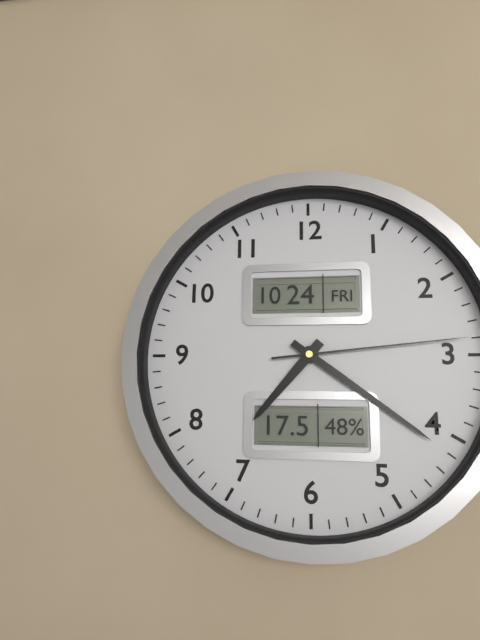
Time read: 7.21.14
